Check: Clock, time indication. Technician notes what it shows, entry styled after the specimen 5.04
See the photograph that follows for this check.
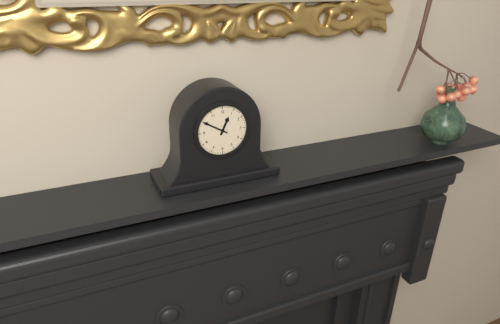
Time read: 12.50
